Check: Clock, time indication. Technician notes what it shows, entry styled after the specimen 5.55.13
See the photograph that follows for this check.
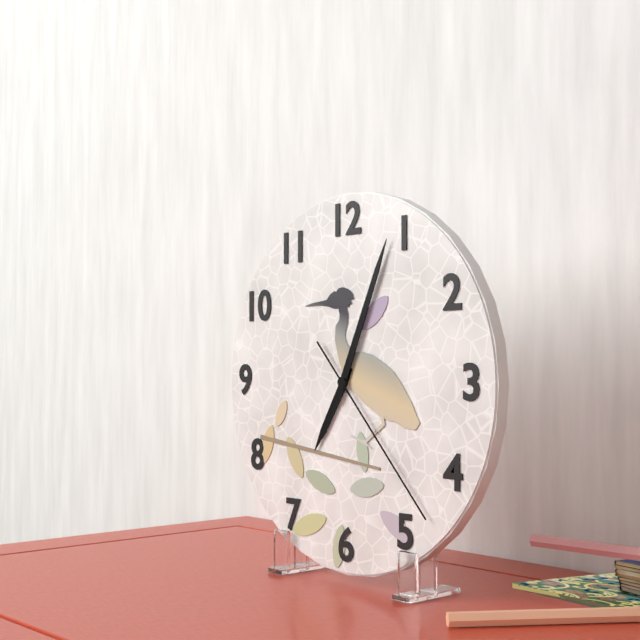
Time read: 7.04.23
